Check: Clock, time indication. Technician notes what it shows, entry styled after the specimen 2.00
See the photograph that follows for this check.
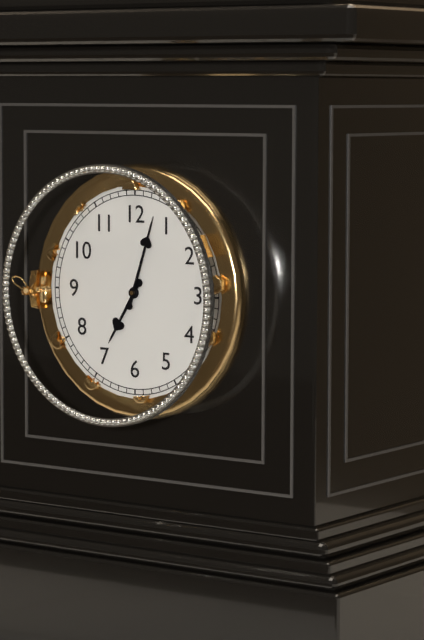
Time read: 7.03
